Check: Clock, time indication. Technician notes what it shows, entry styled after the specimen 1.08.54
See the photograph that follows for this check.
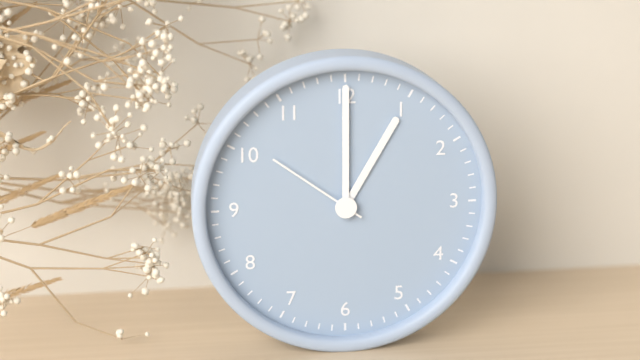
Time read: 1.00.51
